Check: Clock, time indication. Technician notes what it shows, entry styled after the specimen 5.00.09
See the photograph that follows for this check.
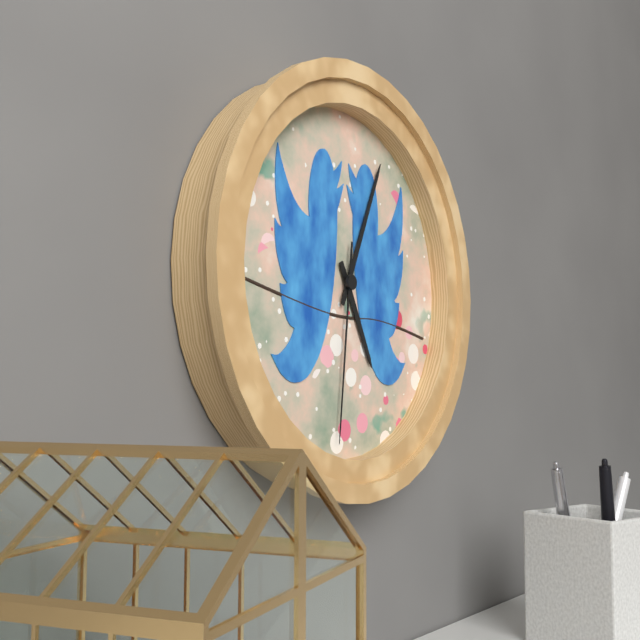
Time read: 5.04.31
